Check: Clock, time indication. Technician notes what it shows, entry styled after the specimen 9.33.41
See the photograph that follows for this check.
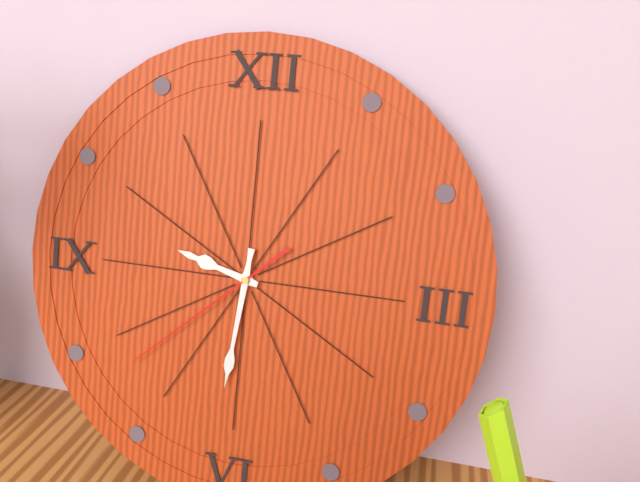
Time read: 9.31.38
